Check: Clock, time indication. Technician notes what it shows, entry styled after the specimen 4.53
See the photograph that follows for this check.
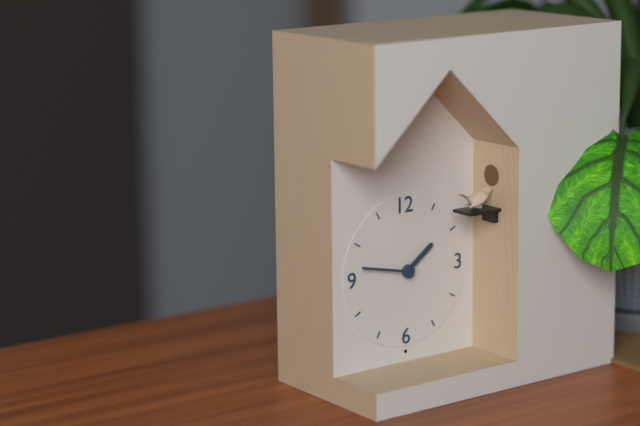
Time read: 1.47
